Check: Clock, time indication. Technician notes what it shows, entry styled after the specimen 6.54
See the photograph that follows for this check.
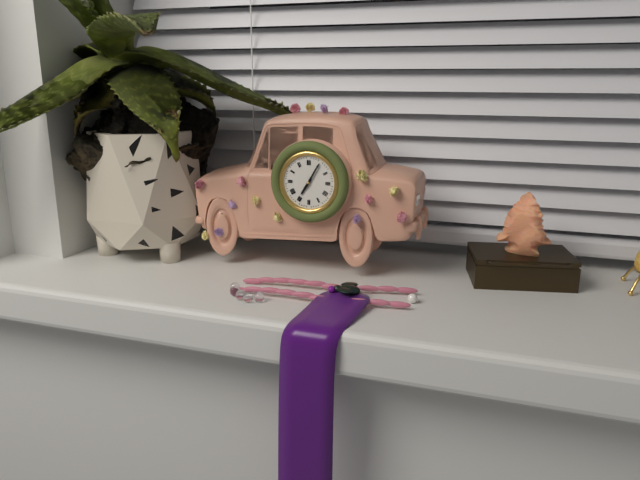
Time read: 7.05
